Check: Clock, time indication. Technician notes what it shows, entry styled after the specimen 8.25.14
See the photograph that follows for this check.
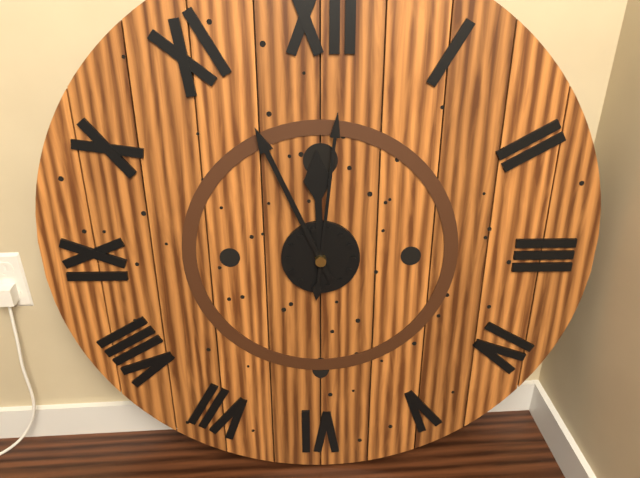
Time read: 11.56.01
